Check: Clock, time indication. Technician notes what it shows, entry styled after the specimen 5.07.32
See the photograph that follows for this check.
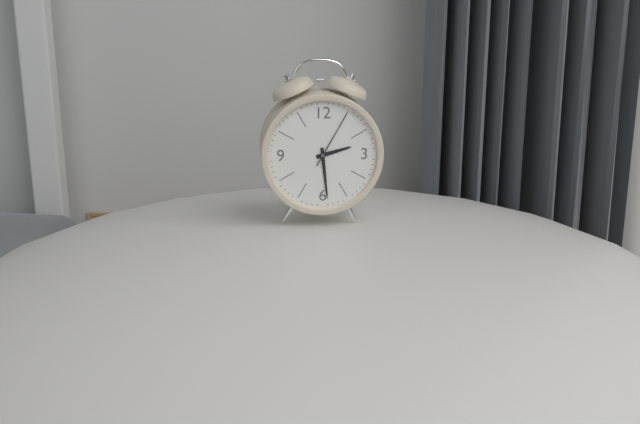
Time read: 2.29.05
